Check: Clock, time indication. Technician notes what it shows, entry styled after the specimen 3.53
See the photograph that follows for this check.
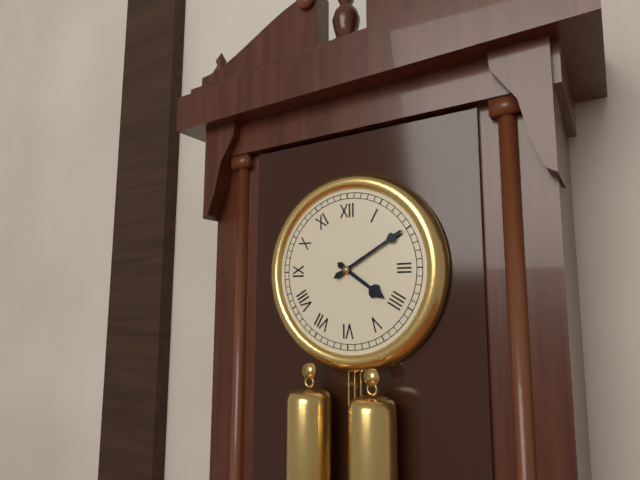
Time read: 4.10
